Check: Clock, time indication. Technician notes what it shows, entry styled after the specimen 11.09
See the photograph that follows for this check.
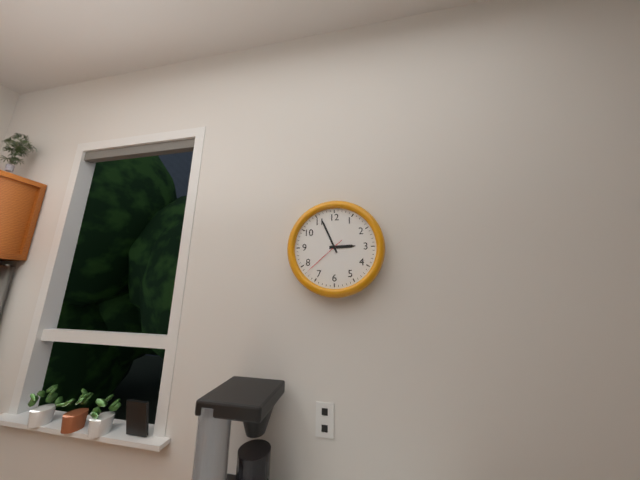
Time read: 2.56
